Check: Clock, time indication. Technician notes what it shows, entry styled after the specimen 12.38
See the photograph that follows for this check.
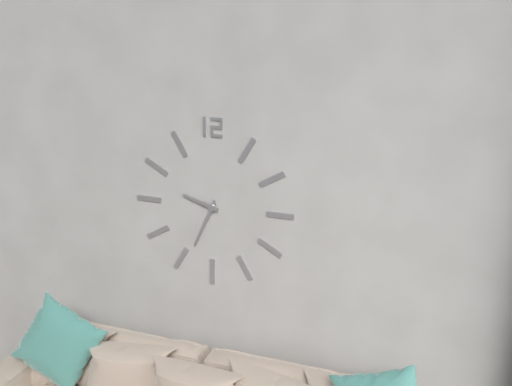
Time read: 9.34
